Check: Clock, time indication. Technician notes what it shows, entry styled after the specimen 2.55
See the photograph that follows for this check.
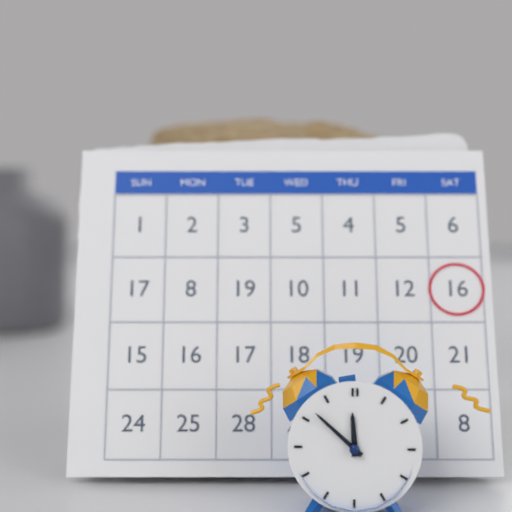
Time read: 11.52
